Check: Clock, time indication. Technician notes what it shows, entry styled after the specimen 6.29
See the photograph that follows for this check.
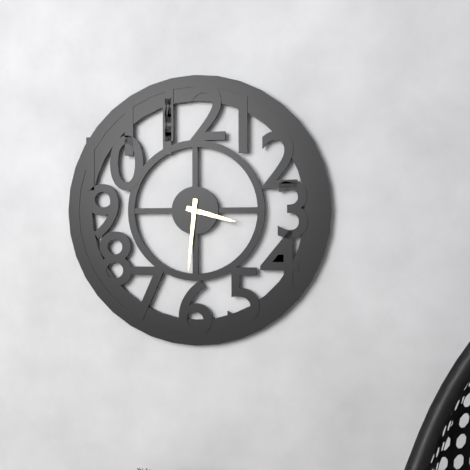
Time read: 3.31
